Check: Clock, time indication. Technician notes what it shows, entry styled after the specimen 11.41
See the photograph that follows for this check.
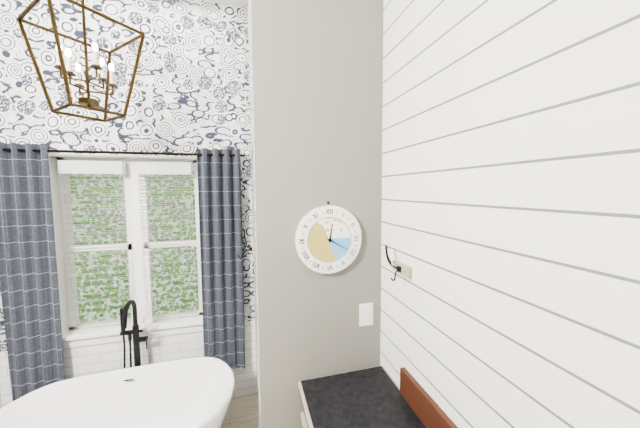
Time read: 12.20
